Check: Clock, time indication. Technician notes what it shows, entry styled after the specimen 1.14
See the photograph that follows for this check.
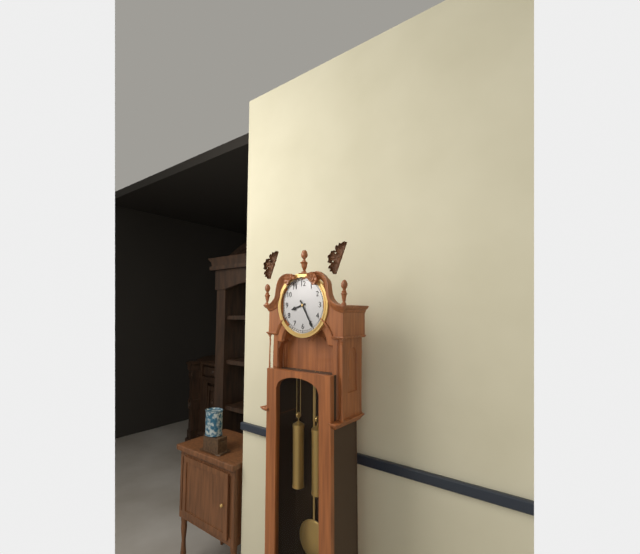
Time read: 8.25
